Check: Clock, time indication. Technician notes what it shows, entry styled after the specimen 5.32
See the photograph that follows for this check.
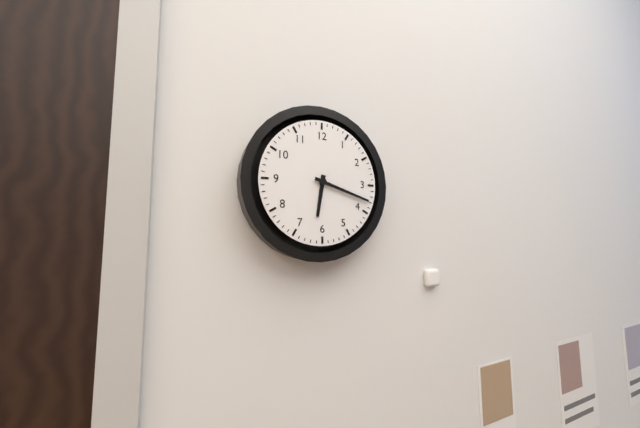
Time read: 6.18
